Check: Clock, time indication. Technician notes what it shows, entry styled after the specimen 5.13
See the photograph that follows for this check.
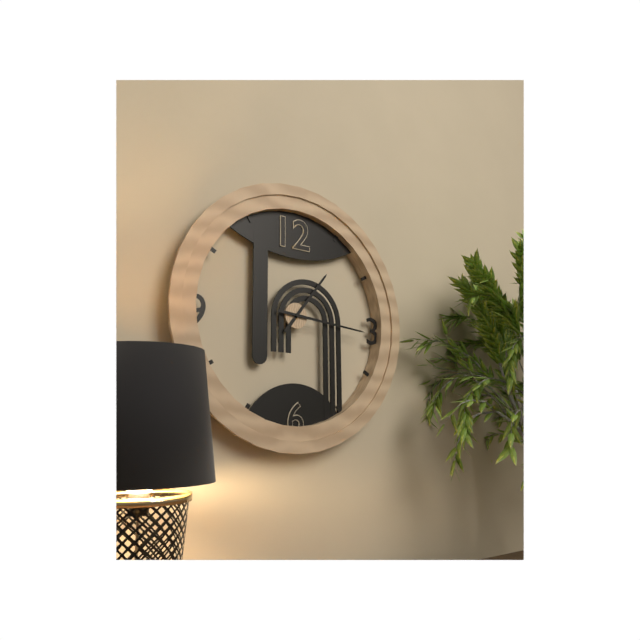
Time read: 1.16
